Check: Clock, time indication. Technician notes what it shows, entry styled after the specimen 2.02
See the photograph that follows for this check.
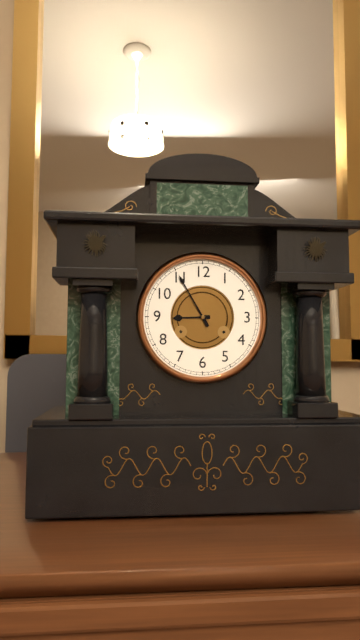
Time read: 8.55
